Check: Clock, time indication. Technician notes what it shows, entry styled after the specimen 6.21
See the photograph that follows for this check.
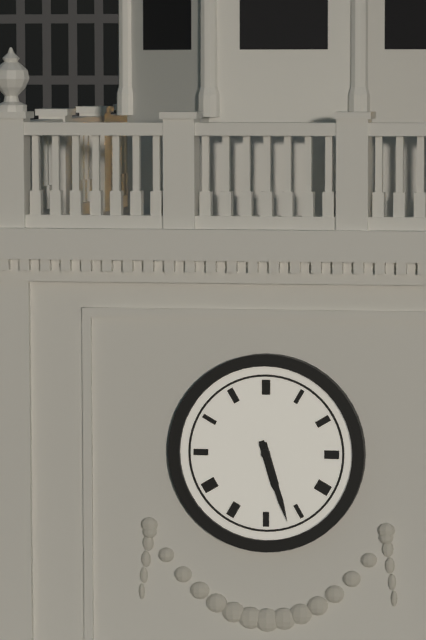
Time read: 5.27
